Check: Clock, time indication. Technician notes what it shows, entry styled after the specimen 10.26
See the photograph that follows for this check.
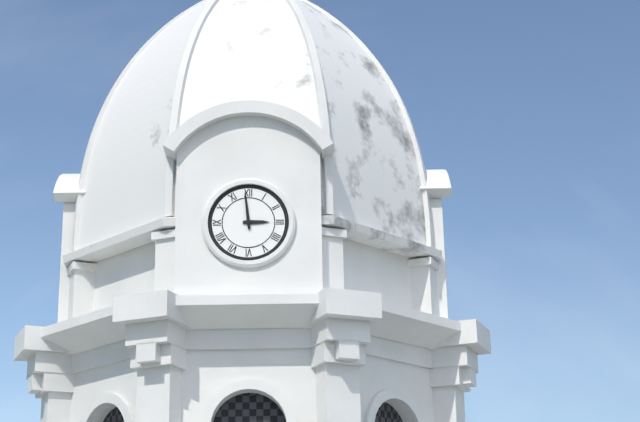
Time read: 2.59
